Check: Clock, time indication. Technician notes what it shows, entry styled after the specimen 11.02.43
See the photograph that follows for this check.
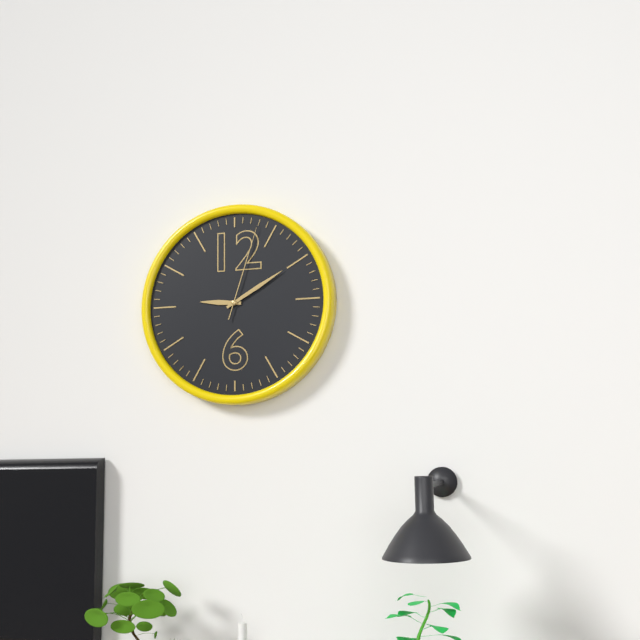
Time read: 9.10.03
